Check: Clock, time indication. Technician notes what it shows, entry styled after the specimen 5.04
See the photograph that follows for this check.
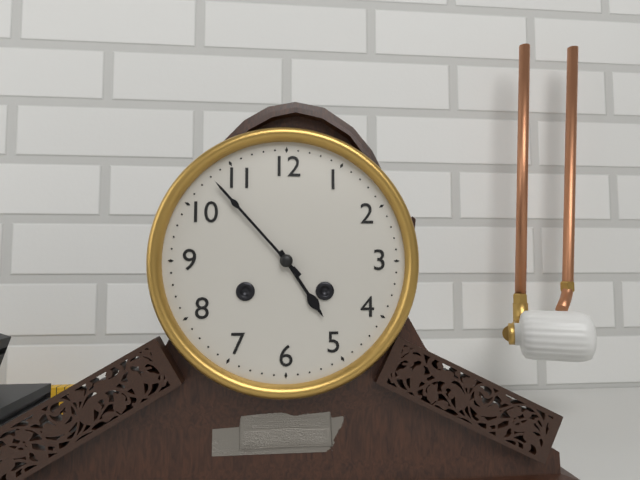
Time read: 4.53
